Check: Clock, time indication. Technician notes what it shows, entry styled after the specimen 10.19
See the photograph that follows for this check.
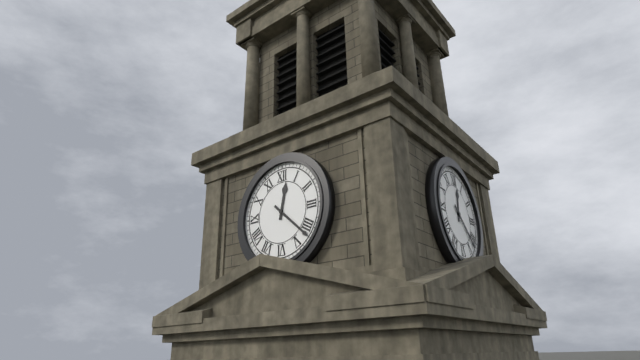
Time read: 12.22
